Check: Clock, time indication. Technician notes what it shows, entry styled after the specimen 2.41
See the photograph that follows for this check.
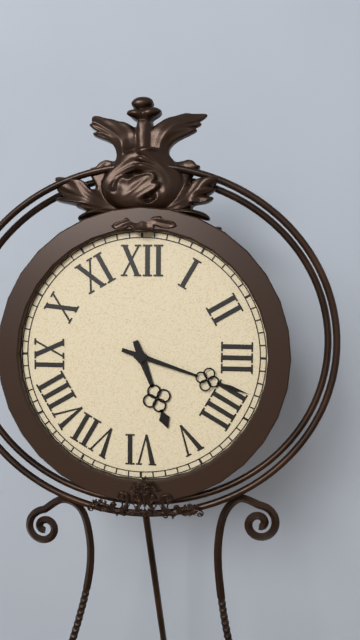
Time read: 5.18
